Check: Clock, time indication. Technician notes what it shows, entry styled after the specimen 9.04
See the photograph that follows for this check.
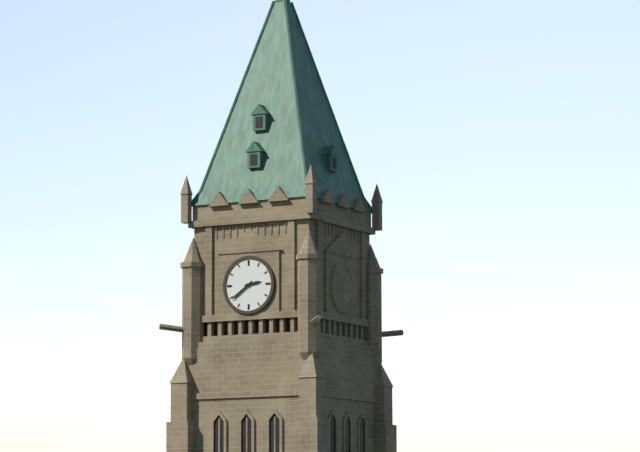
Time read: 2.39
